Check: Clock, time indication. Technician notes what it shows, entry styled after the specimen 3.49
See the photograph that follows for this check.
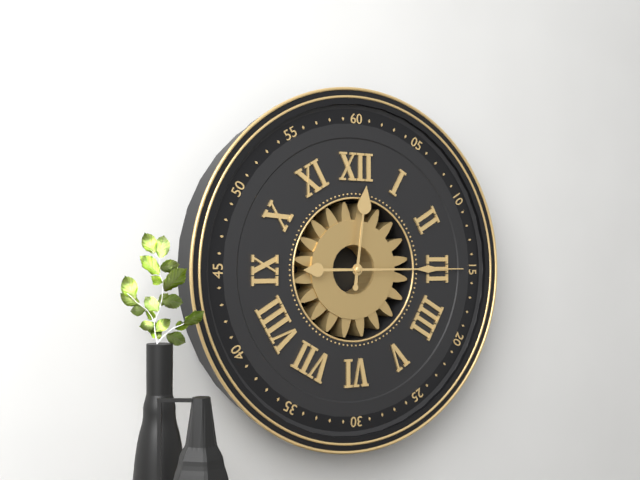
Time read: 12.15
